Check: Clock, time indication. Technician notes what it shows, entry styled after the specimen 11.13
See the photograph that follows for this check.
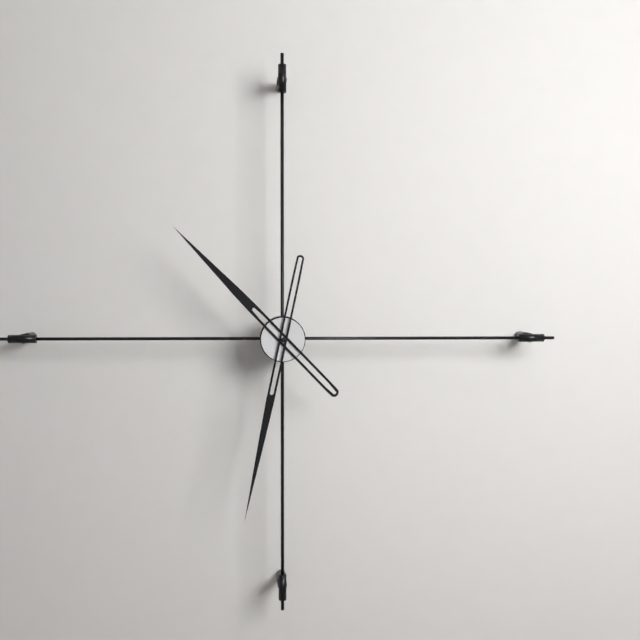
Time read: 10.32
